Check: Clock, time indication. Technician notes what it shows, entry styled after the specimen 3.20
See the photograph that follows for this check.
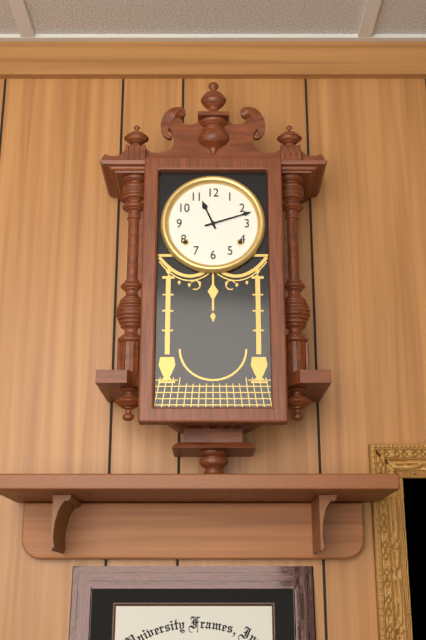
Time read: 11.12
